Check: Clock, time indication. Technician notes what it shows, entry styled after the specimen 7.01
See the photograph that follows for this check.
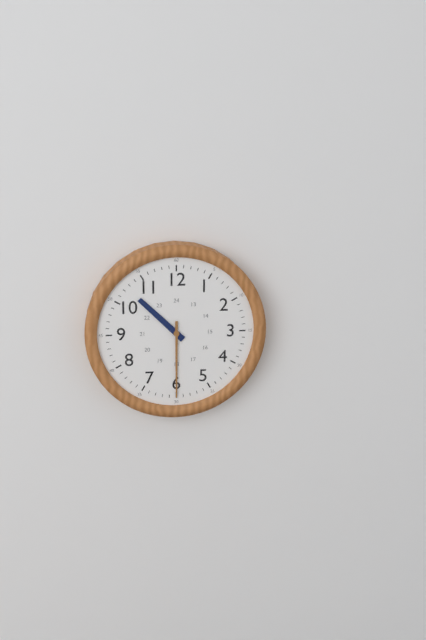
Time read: 10.30
